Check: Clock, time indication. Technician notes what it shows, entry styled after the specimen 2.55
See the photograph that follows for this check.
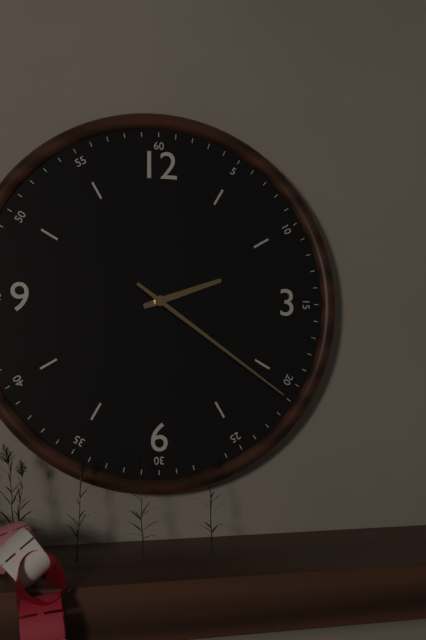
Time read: 2.21
